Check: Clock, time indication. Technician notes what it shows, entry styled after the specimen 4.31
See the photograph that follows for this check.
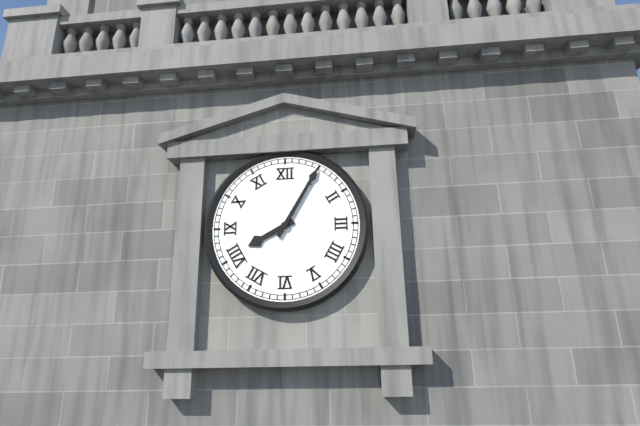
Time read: 8.05
